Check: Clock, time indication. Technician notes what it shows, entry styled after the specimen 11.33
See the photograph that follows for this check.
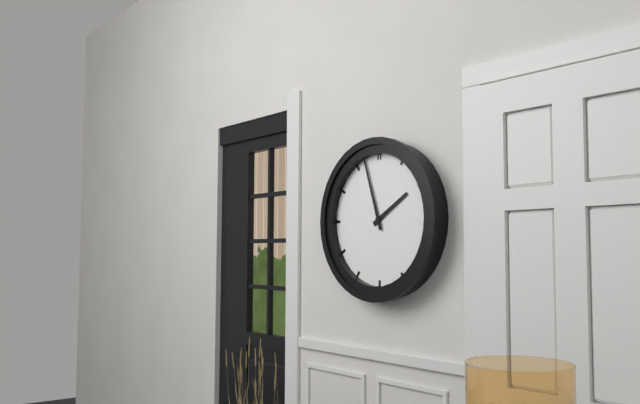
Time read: 1.57
